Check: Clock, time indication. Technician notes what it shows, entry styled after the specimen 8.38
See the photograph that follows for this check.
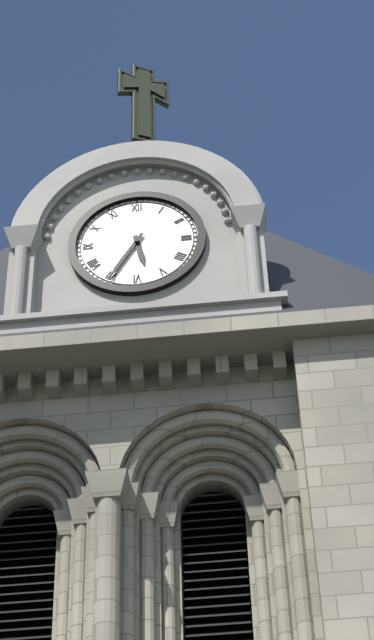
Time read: 5.35
